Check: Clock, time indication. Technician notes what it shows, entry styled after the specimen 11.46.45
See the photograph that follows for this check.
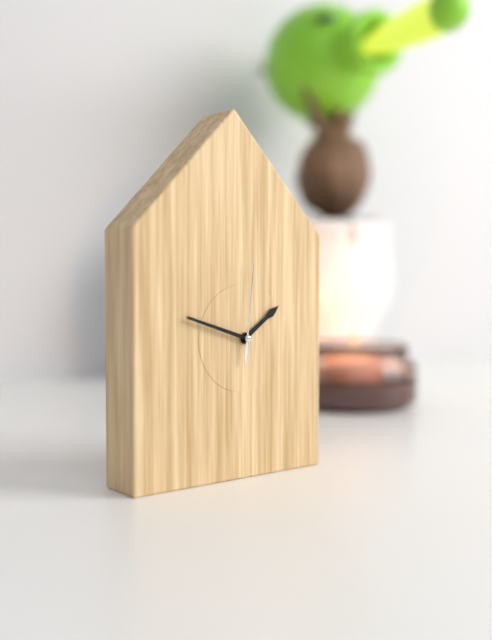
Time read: 1.48.01
